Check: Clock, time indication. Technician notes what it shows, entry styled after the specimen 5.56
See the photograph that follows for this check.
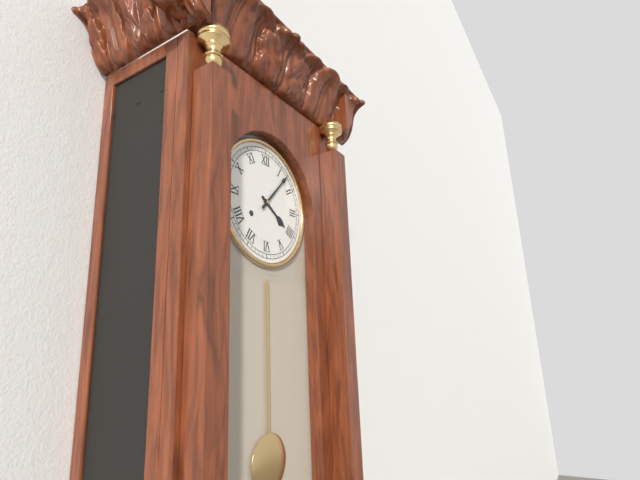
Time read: 4.07
